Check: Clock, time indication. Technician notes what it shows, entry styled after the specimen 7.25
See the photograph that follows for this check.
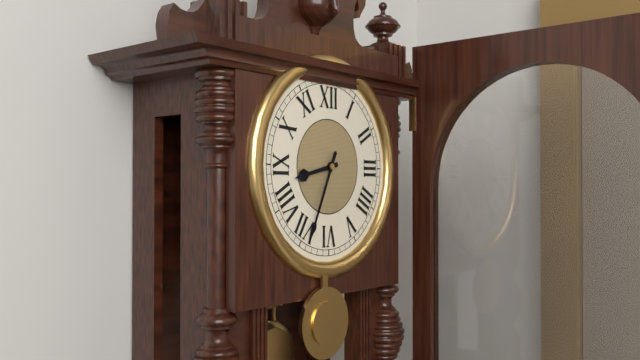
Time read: 8.34
